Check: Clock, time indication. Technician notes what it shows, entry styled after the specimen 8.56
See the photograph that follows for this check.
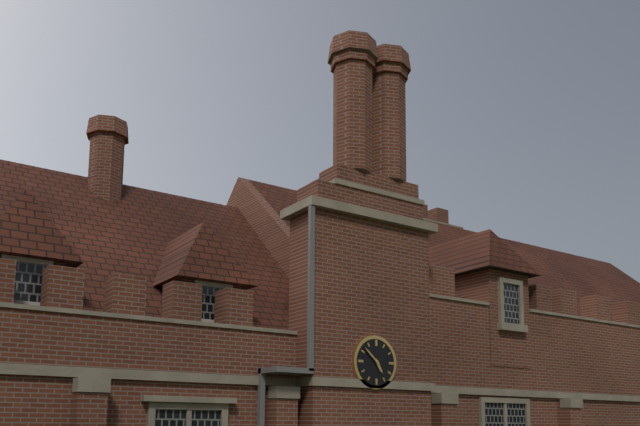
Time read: 4.52
